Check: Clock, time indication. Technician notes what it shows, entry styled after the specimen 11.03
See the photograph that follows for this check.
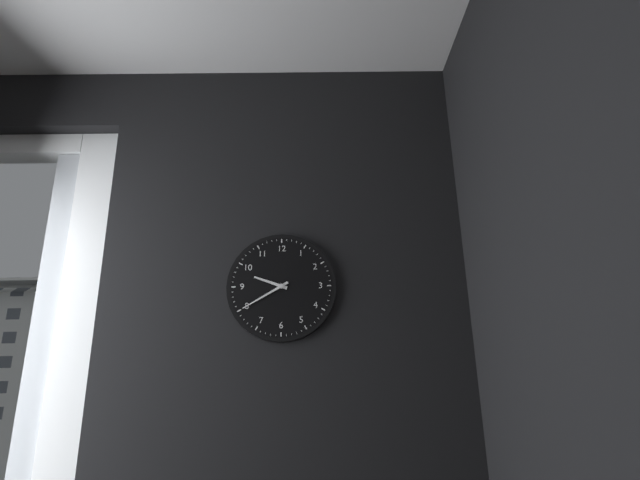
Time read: 9.40
